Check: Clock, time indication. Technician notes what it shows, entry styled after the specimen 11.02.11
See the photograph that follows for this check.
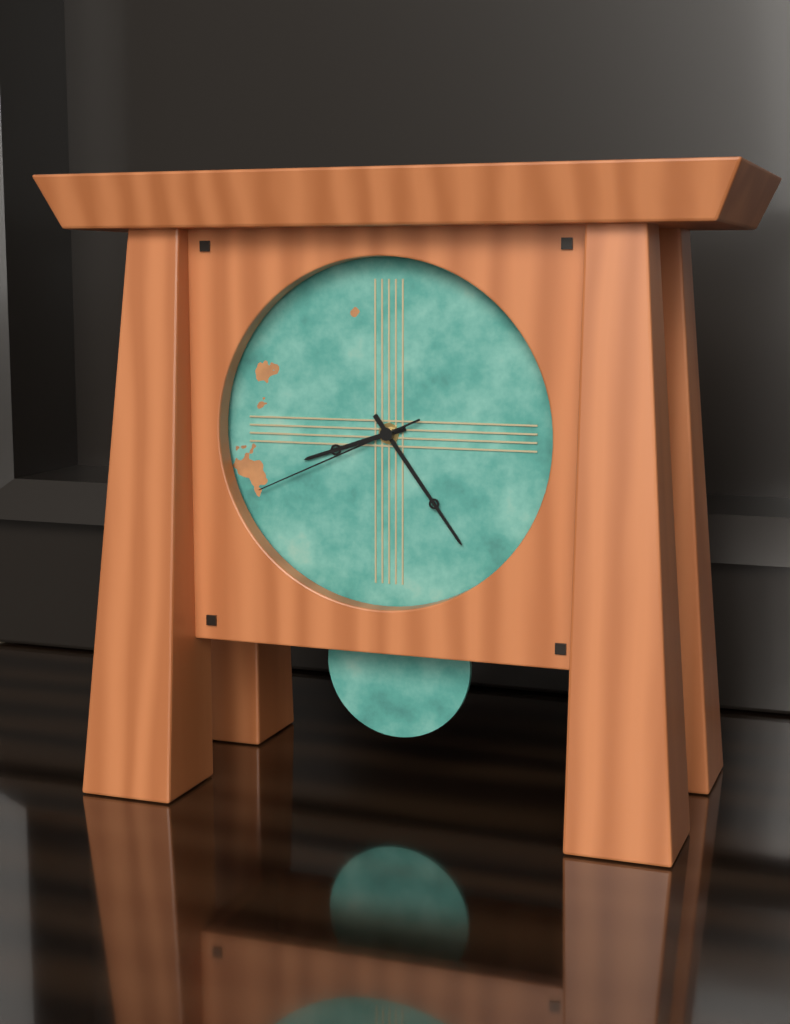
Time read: 8.24.41
